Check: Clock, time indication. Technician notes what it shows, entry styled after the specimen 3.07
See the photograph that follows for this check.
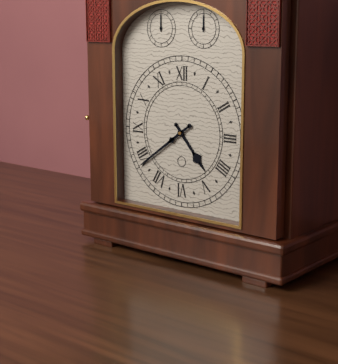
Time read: 4.39
